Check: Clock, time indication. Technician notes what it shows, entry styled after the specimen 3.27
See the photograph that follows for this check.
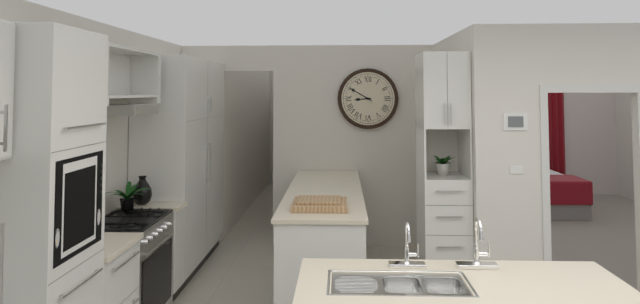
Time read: 8.50
